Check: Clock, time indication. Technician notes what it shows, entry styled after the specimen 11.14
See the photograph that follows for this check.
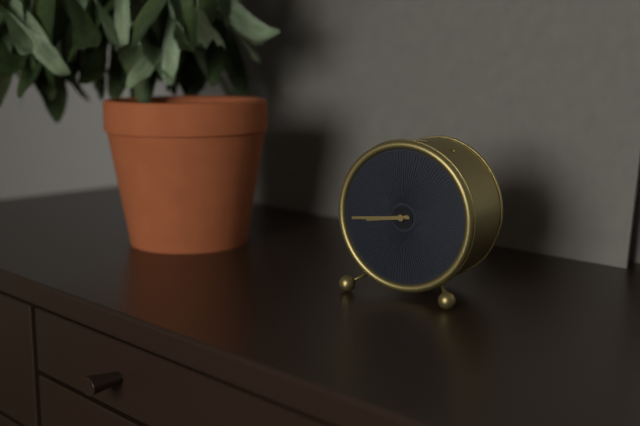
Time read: 8.44
